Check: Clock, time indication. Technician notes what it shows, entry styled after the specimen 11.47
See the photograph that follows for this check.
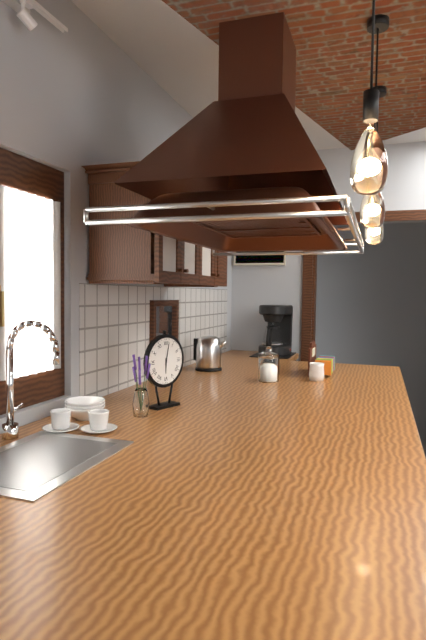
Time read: 6.02
